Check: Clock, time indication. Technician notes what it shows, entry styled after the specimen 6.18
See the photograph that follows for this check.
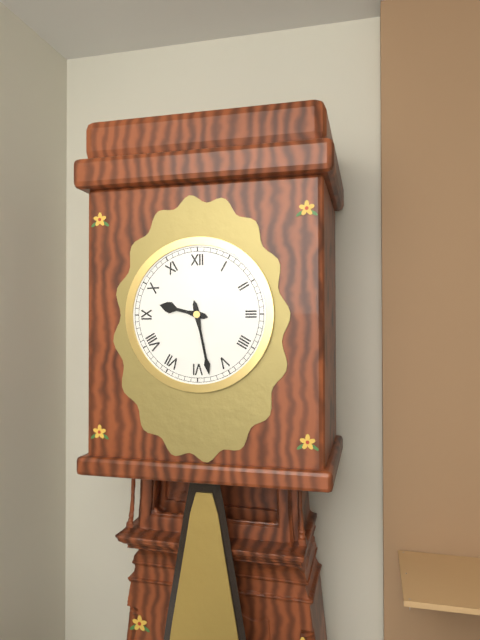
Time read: 9.28
